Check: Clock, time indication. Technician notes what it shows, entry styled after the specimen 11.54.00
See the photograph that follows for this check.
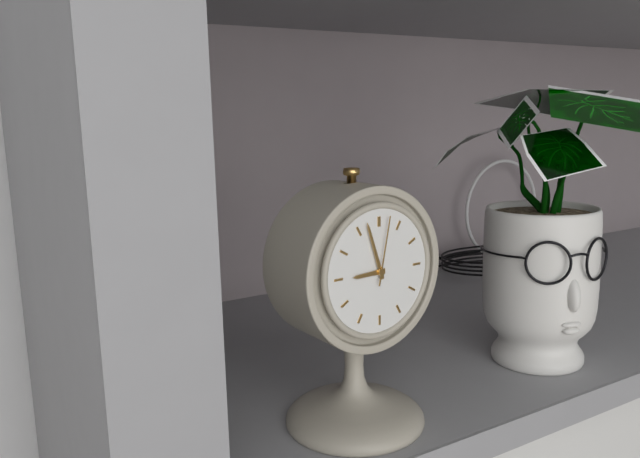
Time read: 8.57.02
